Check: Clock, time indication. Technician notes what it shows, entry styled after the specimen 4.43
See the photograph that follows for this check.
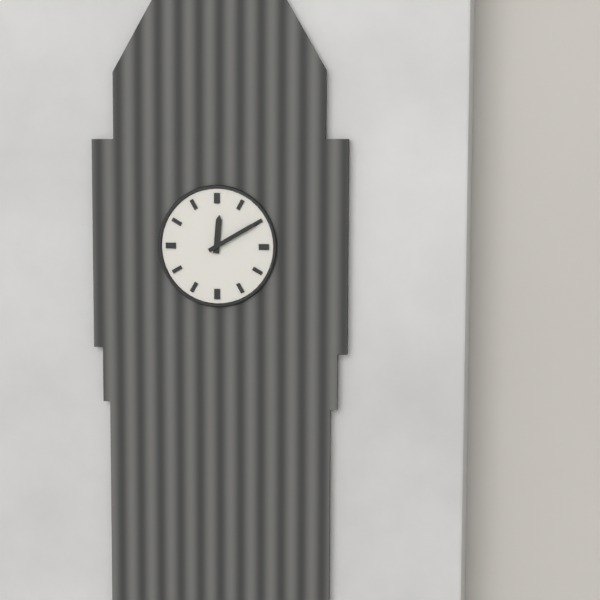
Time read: 12.10
